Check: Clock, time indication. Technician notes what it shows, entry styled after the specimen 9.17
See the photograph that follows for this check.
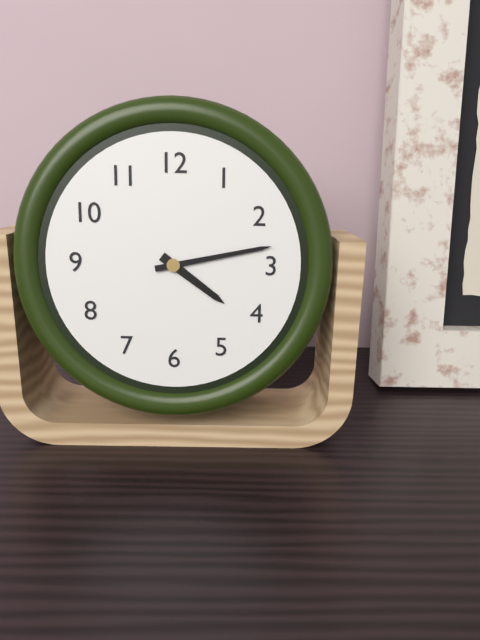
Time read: 4.13
